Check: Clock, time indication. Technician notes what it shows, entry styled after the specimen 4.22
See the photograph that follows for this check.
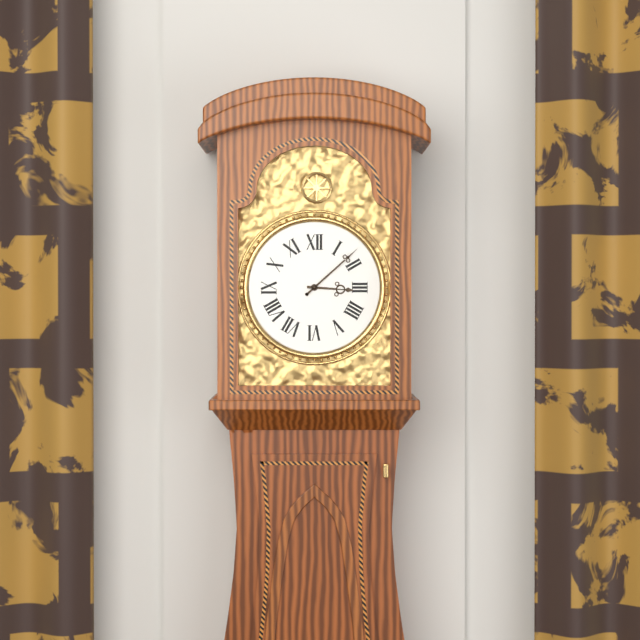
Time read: 3.08
